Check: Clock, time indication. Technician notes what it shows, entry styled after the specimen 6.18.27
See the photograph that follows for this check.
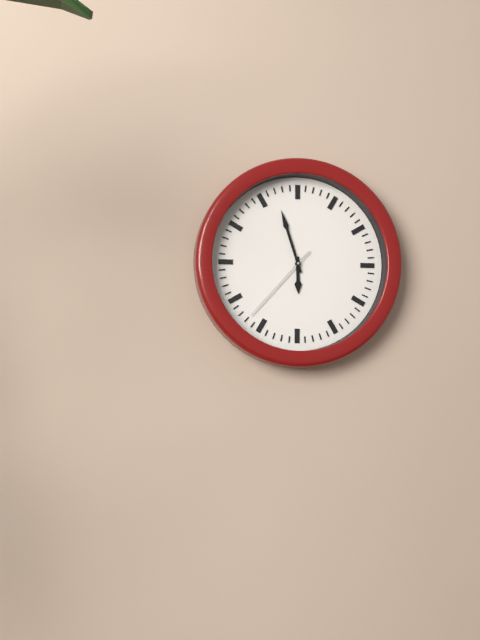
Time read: 5.57.37
